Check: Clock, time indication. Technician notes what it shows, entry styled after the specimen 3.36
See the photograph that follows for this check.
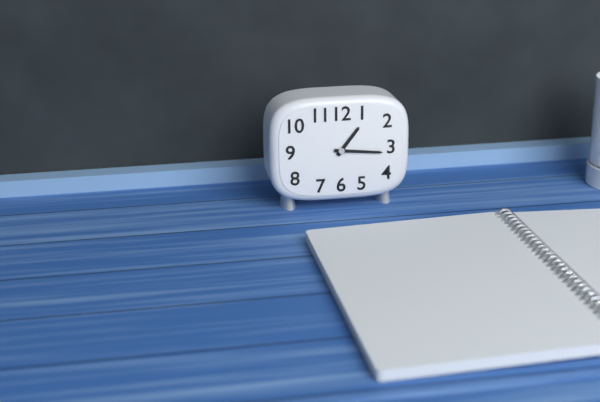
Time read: 1.16
